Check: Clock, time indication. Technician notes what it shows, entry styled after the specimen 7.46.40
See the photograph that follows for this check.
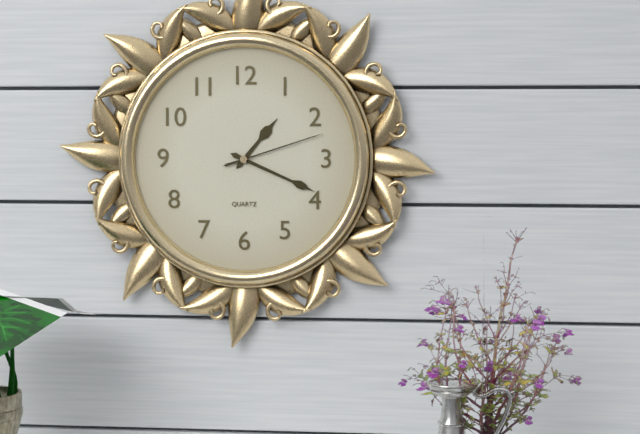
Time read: 1.19.12
